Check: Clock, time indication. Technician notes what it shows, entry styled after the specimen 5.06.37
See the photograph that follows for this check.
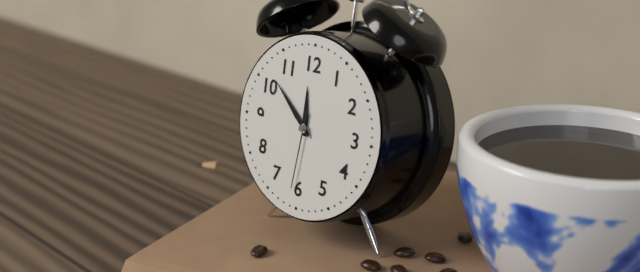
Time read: 11.52.31
